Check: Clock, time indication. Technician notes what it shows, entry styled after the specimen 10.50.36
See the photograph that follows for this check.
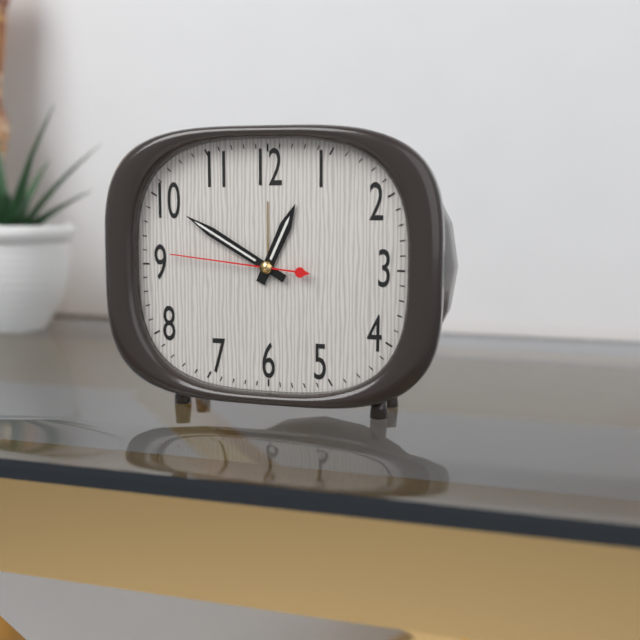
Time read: 12.50.46
